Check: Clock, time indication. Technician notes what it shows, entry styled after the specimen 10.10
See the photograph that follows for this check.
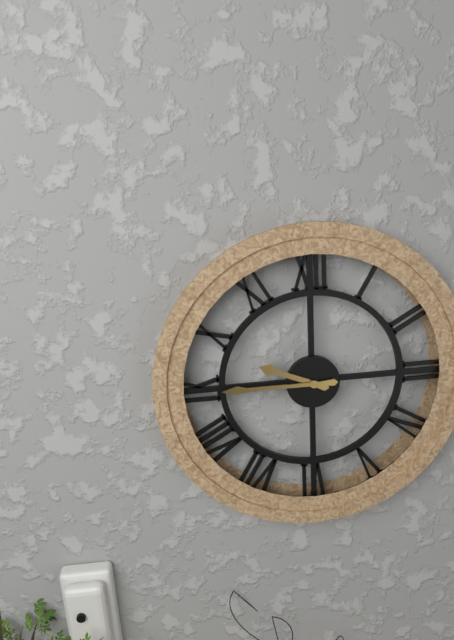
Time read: 9.45
